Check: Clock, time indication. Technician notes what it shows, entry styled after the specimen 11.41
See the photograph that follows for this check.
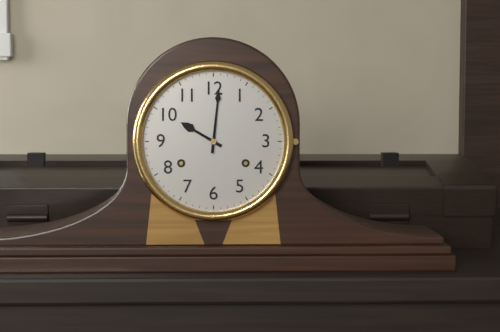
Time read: 10.01
